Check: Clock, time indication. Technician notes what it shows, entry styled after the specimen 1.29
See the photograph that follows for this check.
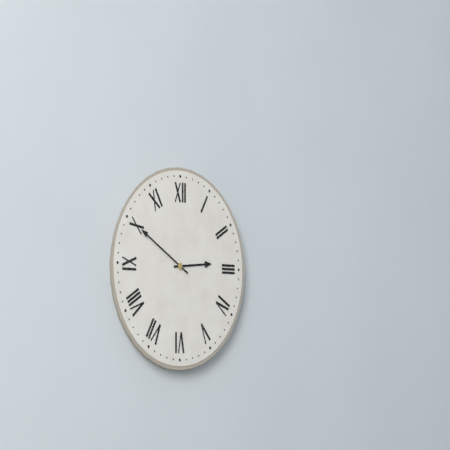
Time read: 2.50
